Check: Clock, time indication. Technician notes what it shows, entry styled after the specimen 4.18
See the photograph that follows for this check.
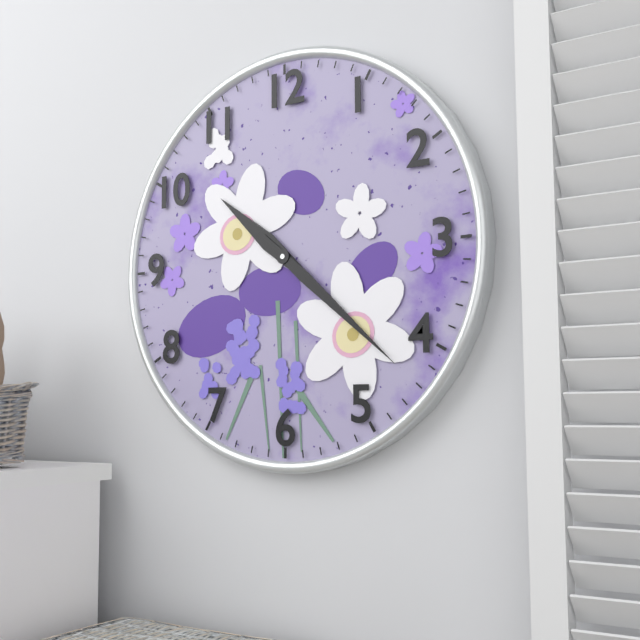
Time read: 10.22
